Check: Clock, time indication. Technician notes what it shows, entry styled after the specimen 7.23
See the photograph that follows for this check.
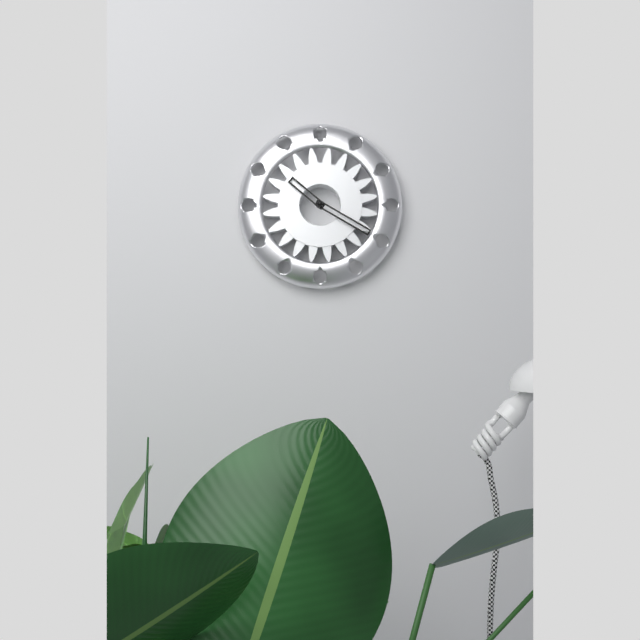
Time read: 10.20
